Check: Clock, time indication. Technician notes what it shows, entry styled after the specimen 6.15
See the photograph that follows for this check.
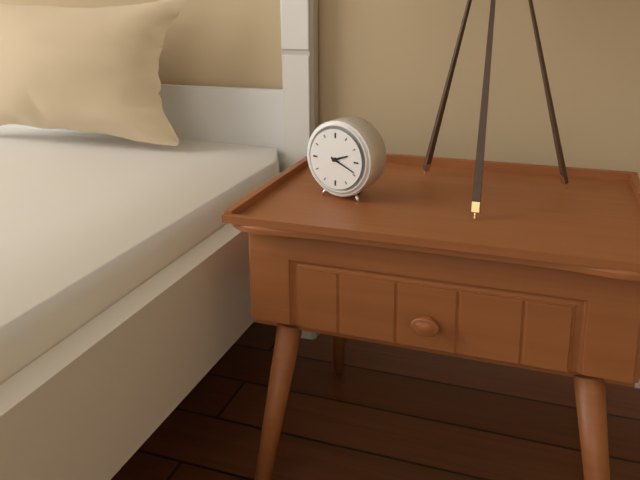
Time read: 2.19
